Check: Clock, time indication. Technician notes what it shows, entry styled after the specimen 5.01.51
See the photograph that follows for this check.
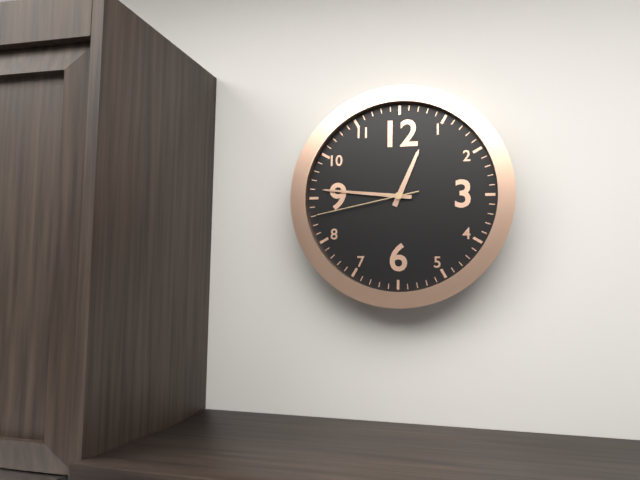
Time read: 12.46.43
